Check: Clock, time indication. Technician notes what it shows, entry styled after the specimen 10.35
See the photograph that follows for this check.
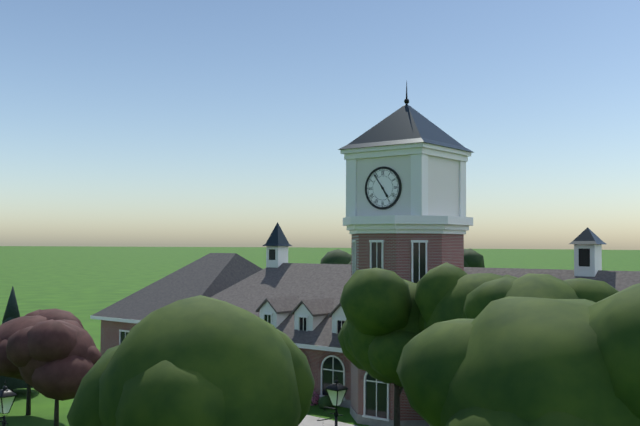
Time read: 4.54
